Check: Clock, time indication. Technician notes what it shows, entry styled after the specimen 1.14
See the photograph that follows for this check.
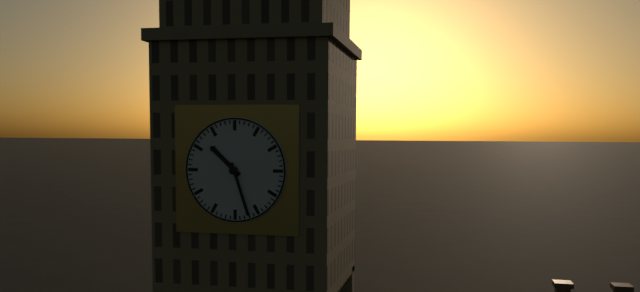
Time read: 10.27
